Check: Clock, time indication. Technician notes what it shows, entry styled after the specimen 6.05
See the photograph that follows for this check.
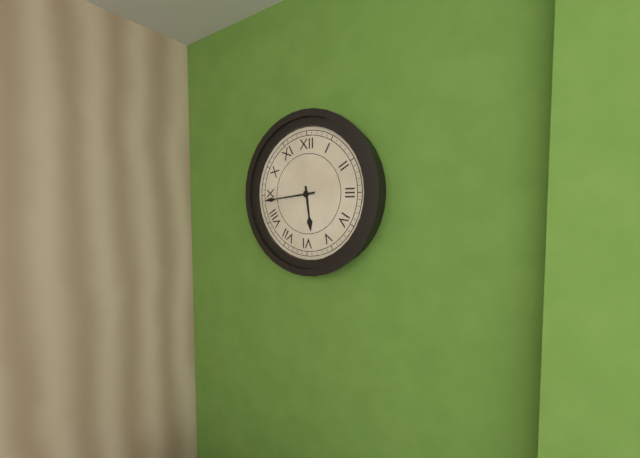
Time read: 5.44
